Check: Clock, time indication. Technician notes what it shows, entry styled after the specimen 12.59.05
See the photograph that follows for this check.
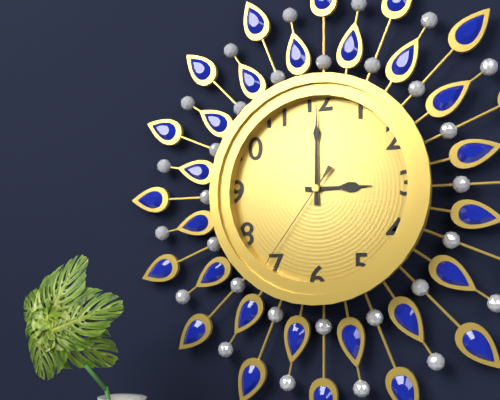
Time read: 3.00.36
